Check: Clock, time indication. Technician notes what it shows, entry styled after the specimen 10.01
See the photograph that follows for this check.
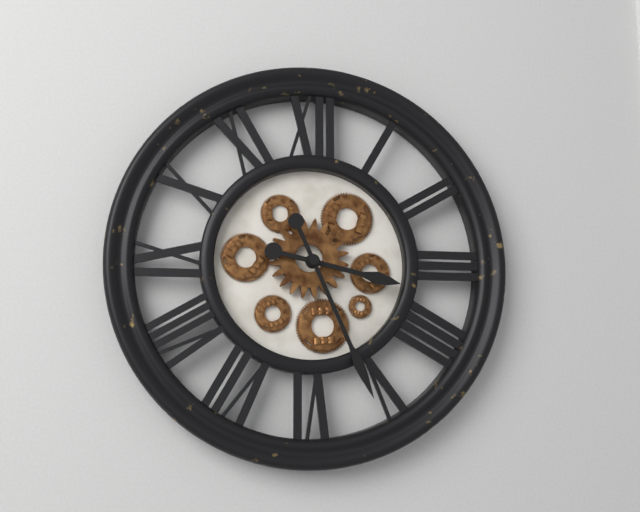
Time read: 3.26
